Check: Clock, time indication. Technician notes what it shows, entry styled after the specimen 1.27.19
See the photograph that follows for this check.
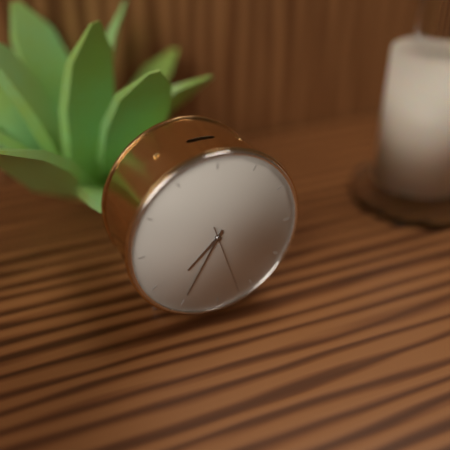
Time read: 7.35.27
